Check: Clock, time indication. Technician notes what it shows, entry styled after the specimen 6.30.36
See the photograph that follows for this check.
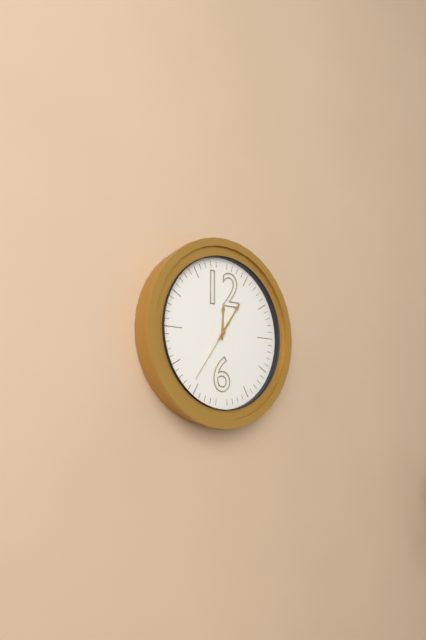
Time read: 12.06.36
